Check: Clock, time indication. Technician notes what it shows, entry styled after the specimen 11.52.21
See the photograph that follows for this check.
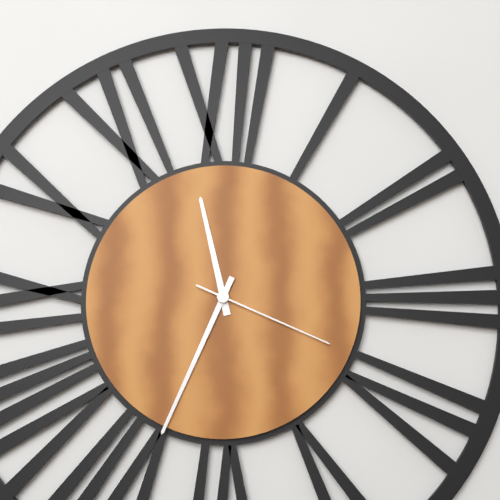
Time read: 11.34.19
